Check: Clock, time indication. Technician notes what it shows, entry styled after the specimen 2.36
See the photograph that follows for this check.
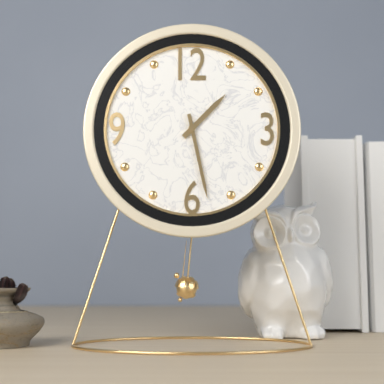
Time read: 1.28
